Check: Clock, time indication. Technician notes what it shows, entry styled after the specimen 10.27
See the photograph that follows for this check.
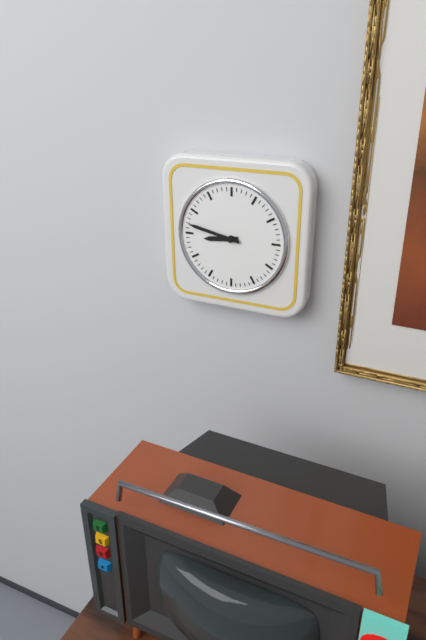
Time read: 8.47
